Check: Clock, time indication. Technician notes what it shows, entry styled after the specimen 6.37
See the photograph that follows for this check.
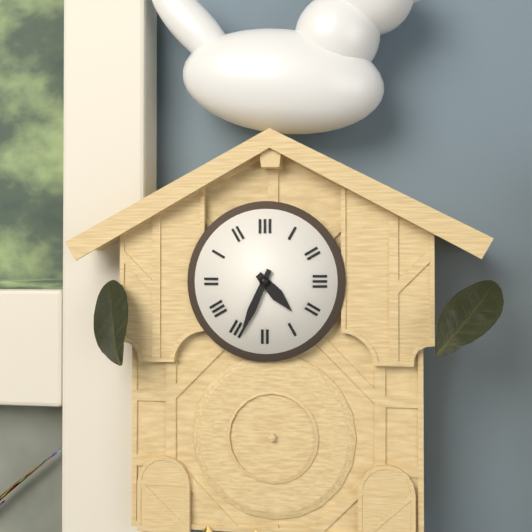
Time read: 4.34
